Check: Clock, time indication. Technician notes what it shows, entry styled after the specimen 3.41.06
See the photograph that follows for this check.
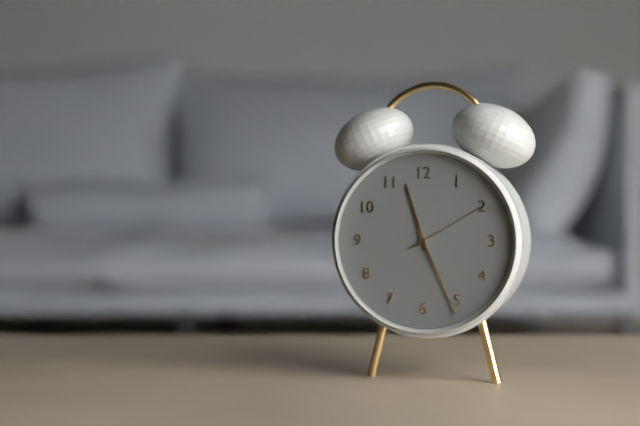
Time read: 11.26.10
